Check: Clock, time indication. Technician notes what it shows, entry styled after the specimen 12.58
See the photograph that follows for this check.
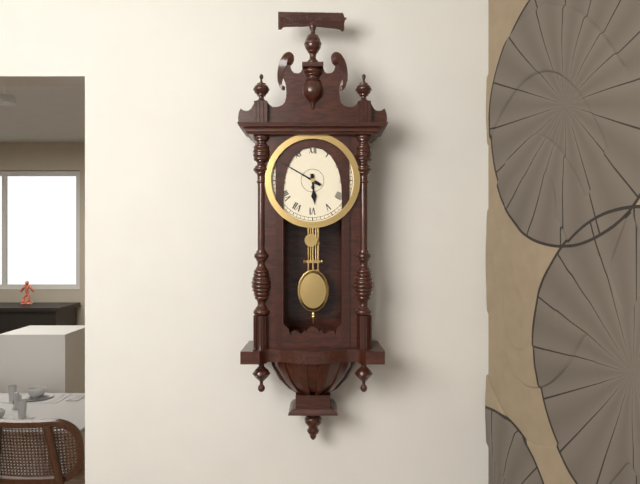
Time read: 5.50
